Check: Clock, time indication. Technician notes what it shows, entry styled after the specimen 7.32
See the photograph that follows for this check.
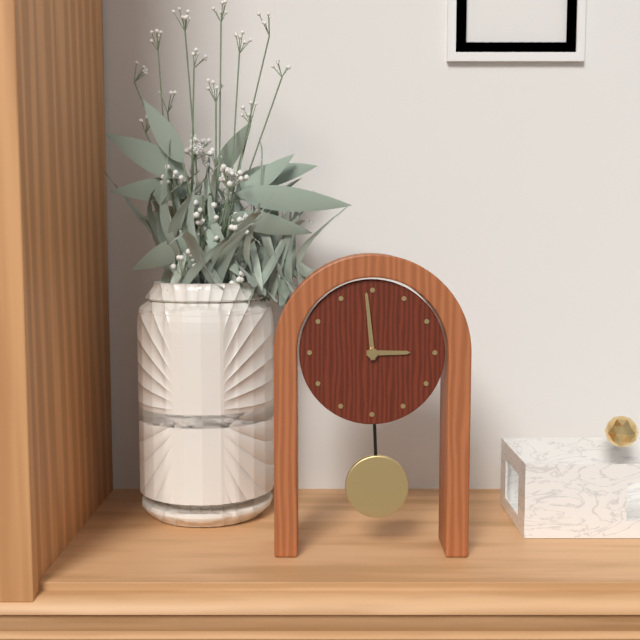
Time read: 2.59
